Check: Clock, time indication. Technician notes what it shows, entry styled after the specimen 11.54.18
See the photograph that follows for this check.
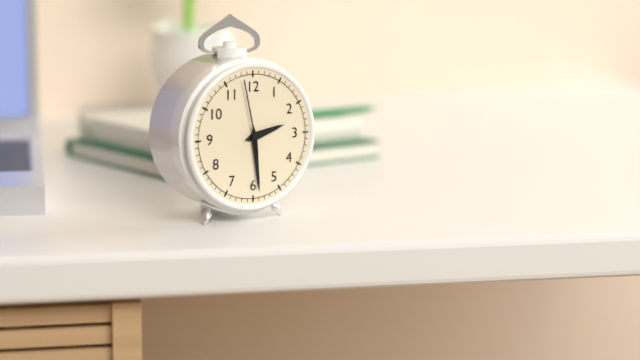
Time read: 2.29.58
